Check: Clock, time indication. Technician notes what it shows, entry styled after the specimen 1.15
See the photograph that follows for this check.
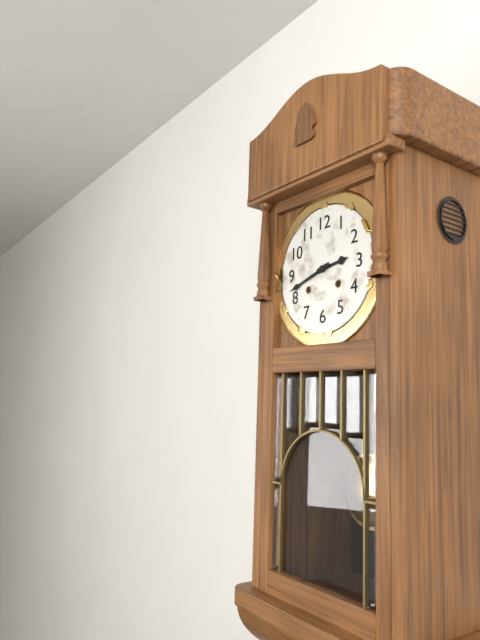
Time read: 2.42
